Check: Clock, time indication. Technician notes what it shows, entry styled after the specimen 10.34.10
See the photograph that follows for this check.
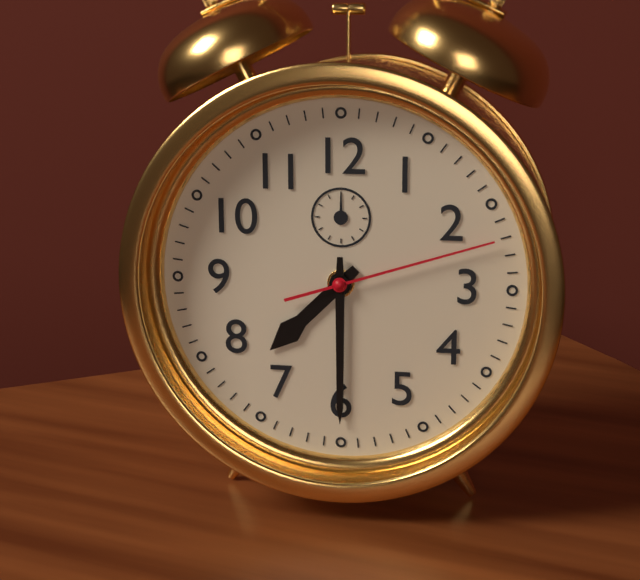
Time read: 7.30.12
